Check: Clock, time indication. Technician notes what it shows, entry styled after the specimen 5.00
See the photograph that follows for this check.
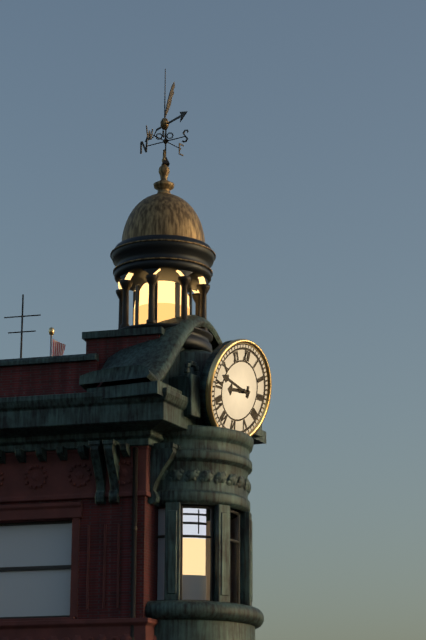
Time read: 8.47
